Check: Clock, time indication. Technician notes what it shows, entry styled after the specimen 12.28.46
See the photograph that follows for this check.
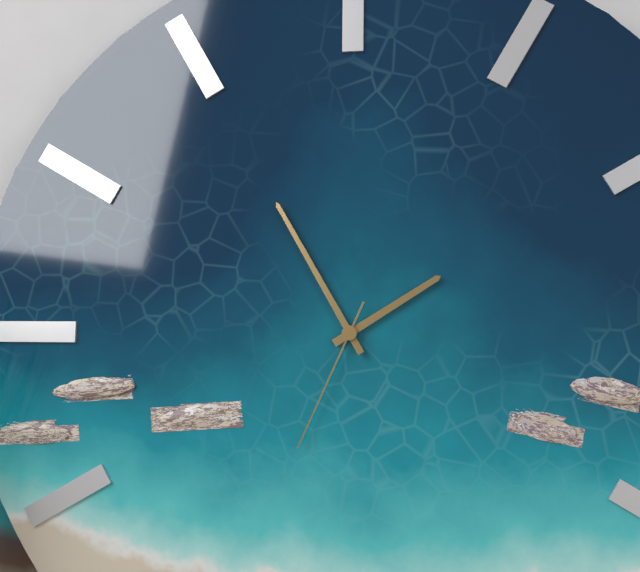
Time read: 1.55.34
